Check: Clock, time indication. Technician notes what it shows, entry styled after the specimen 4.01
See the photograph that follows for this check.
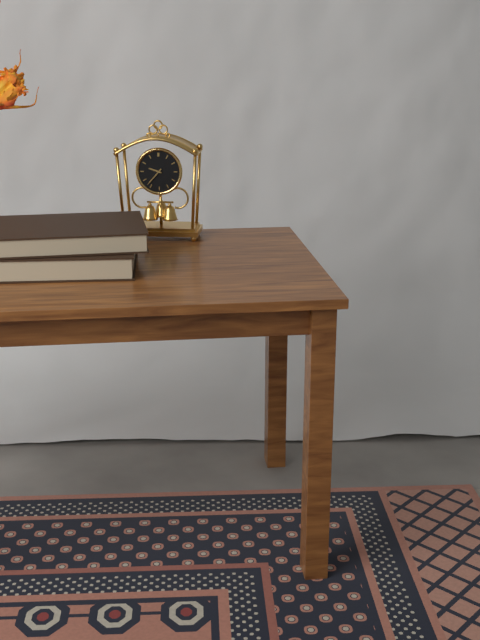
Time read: 9.37
